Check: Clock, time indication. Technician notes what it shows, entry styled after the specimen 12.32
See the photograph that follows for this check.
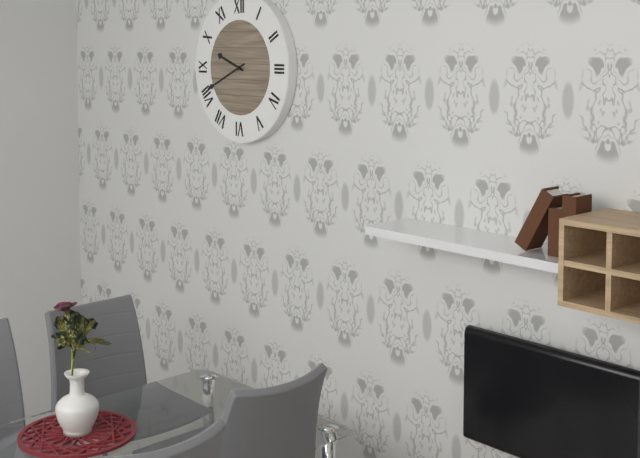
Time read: 9.41
